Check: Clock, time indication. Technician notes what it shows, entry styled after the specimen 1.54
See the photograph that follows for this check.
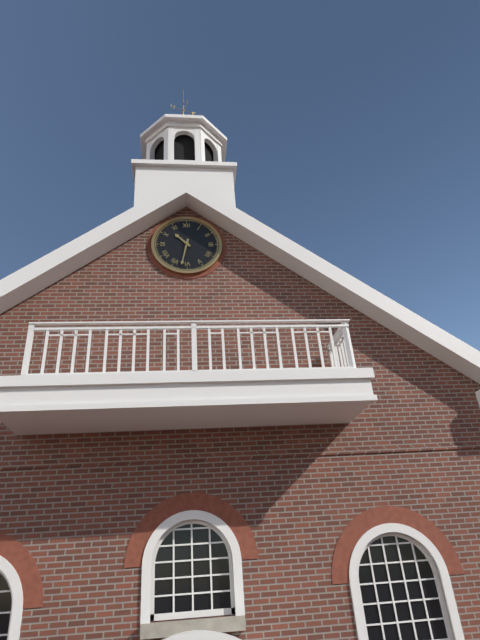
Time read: 10.32
